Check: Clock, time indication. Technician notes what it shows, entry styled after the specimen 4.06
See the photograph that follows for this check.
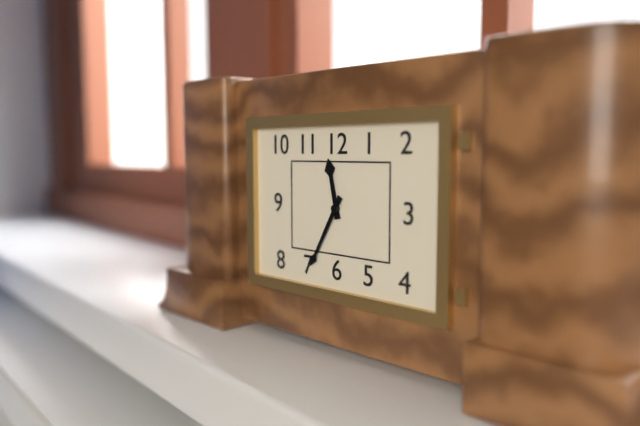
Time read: 11.35
